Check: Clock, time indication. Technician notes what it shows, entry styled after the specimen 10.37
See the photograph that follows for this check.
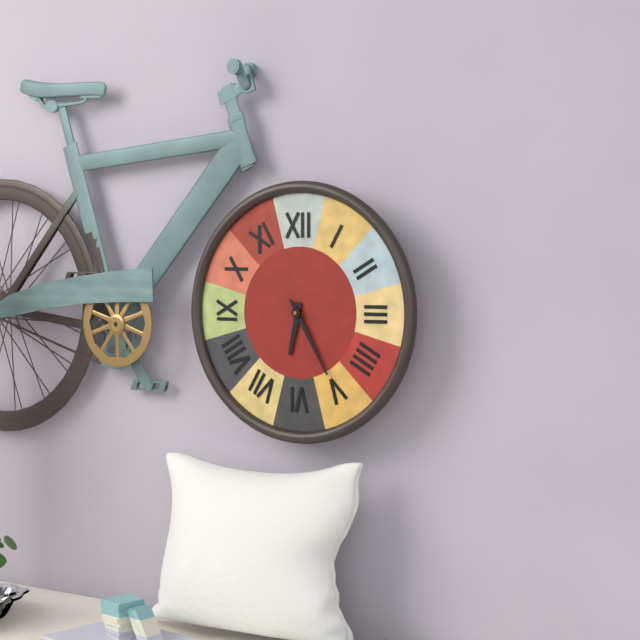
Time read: 6.25
